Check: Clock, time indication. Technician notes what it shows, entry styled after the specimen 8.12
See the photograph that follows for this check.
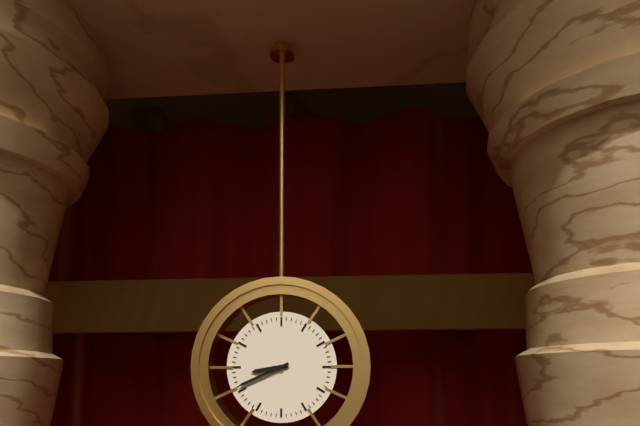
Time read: 8.41
